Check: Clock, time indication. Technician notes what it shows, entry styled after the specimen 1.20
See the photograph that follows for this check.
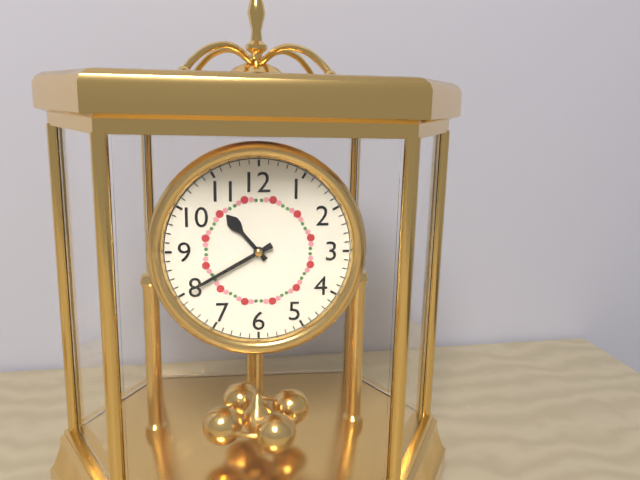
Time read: 10.40
